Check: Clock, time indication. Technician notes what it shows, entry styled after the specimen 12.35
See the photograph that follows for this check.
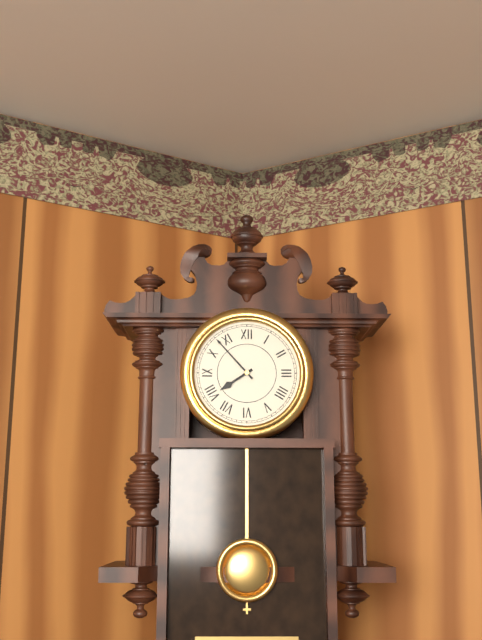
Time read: 7.53
